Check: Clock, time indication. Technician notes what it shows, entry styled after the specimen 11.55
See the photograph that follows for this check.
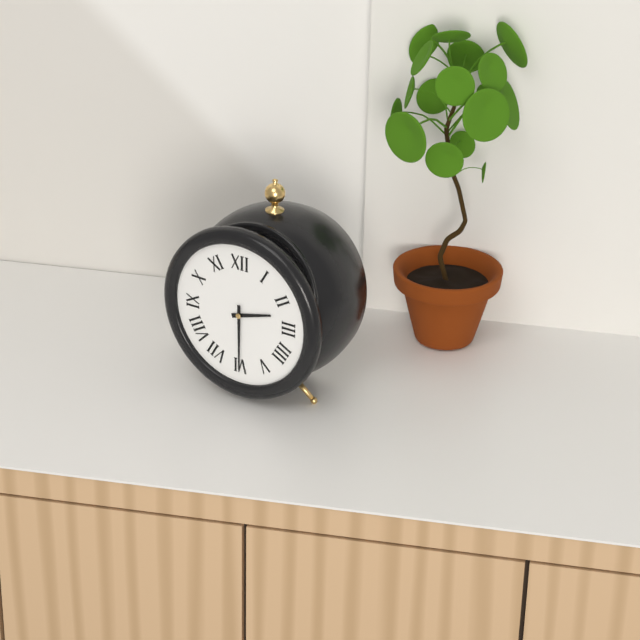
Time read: 2.30
